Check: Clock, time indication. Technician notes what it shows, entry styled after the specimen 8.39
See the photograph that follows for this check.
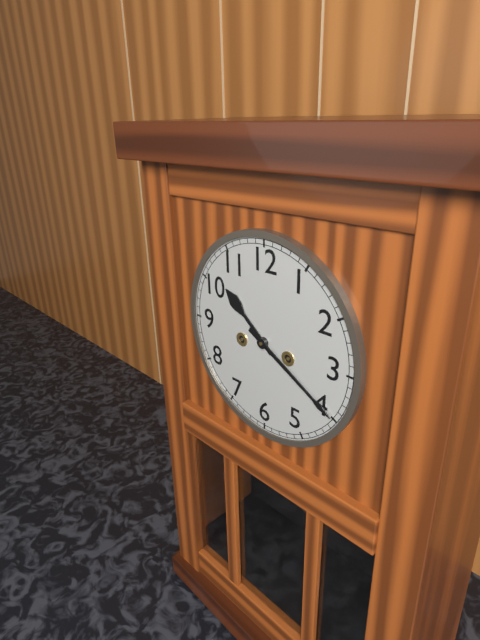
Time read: 10.20
